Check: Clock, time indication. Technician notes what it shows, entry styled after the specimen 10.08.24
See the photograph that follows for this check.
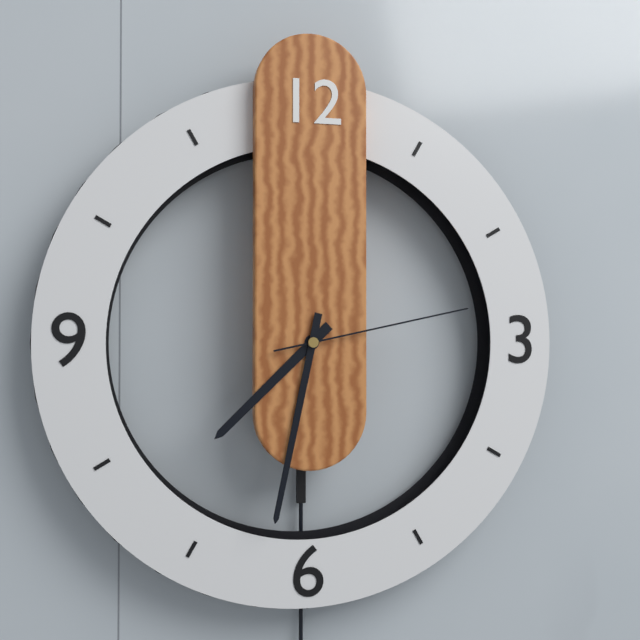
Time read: 7.32.13
